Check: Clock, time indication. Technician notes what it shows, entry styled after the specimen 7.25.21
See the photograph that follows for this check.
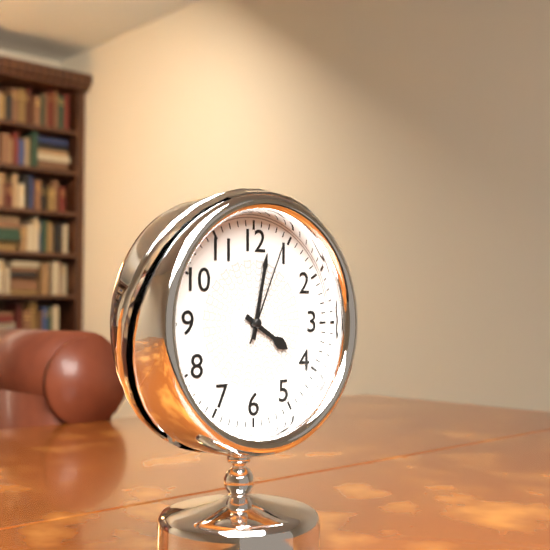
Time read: 4.02.04
